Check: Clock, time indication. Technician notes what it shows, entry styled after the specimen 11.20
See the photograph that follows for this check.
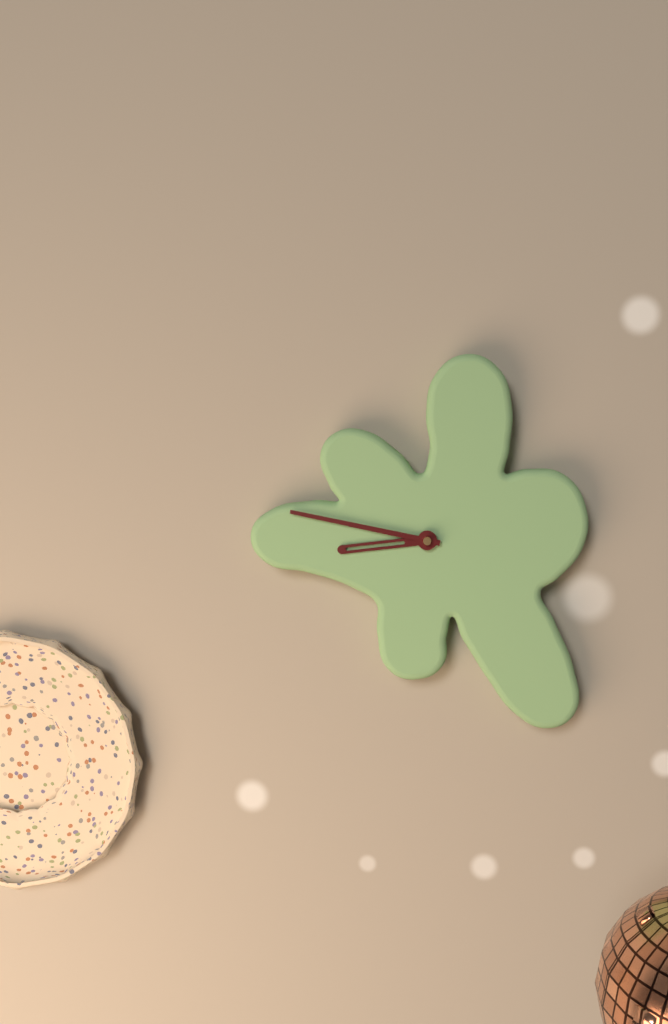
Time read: 8.47
